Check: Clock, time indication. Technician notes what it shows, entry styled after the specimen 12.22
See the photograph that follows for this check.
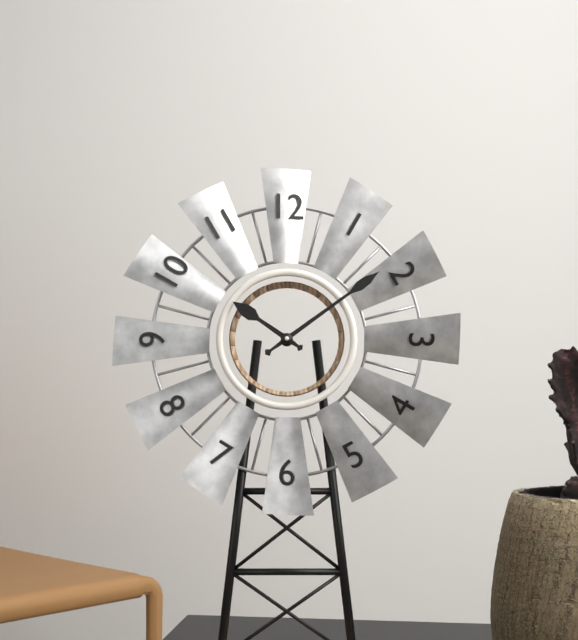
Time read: 10.09
